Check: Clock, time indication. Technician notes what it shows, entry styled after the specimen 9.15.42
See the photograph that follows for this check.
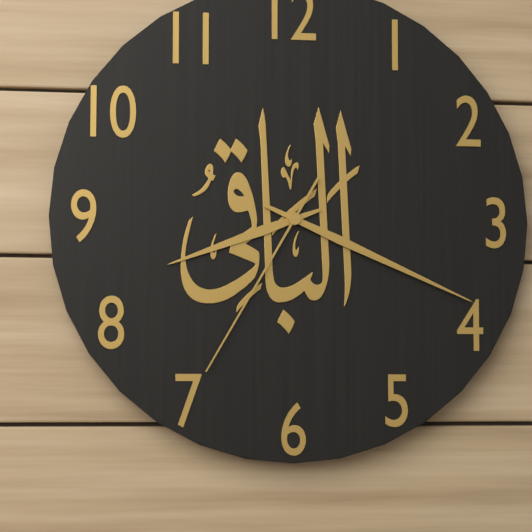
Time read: 8.19.35
